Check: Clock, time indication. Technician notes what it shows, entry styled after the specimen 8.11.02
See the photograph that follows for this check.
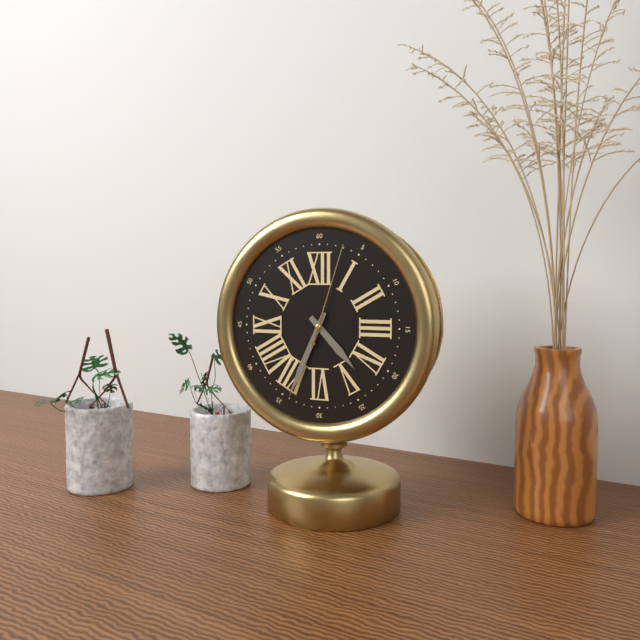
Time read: 4.34.03
